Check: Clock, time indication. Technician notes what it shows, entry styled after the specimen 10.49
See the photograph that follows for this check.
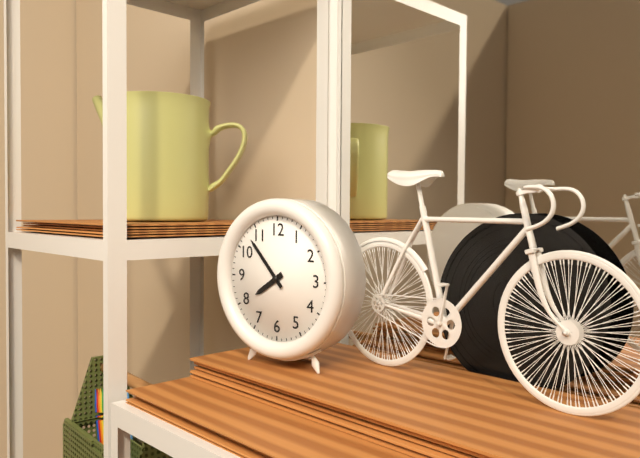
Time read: 7.53
